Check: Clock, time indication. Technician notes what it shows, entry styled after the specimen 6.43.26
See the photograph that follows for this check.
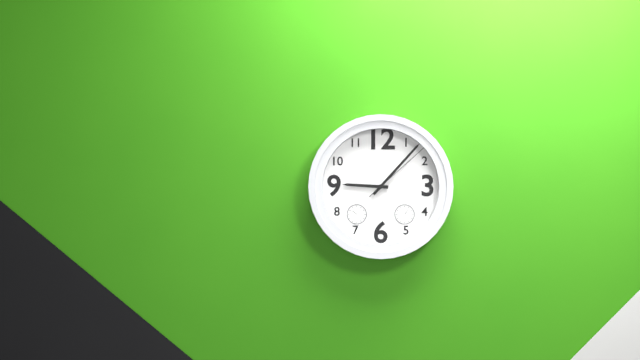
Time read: 9.07.08
